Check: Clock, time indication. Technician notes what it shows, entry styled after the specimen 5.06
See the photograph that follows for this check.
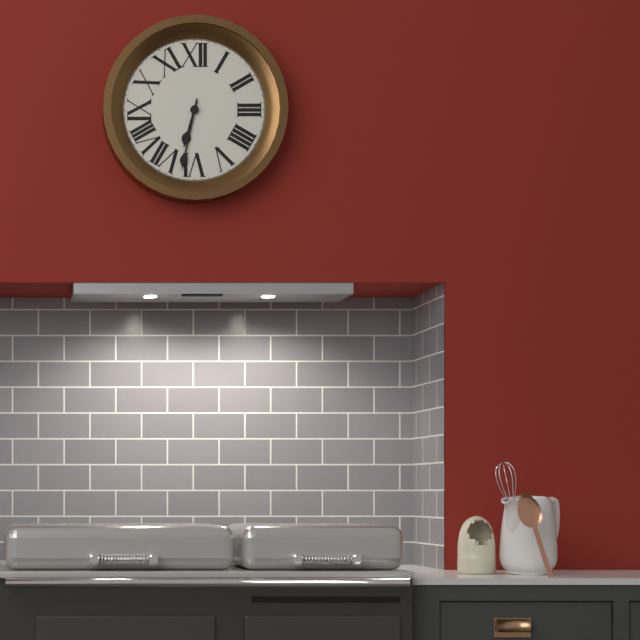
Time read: 6.32
